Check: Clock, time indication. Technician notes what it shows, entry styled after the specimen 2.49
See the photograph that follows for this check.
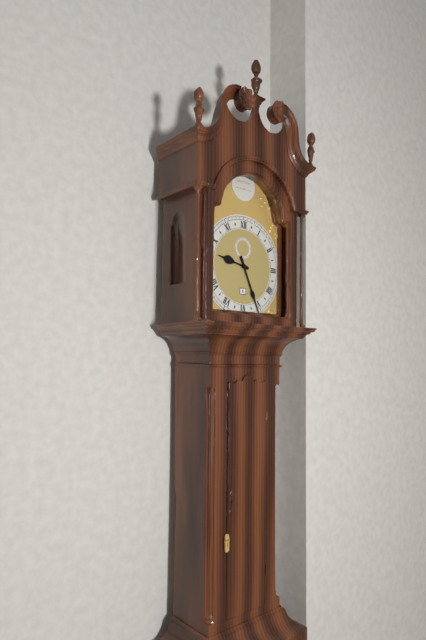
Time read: 9.26
